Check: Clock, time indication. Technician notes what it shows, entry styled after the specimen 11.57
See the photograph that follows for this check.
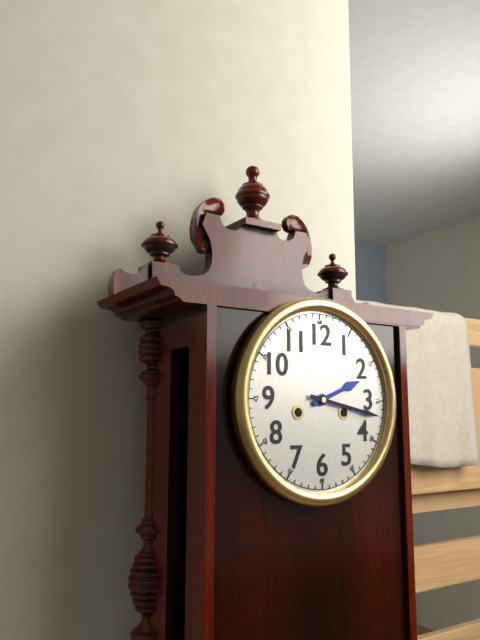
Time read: 2.17
